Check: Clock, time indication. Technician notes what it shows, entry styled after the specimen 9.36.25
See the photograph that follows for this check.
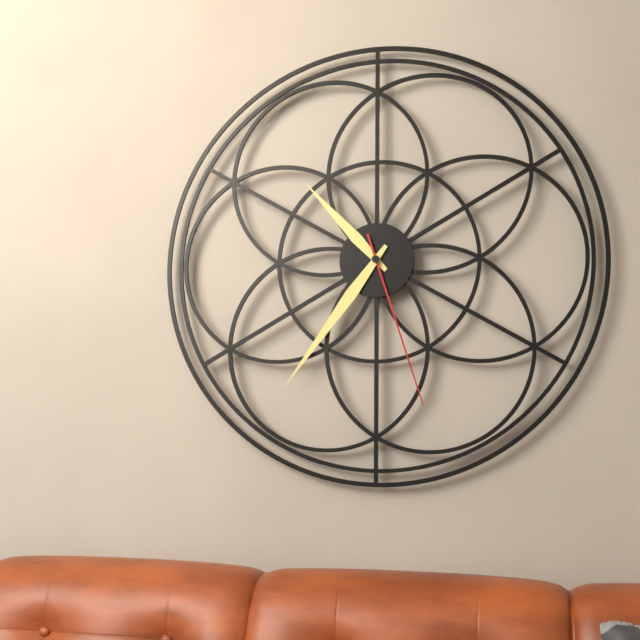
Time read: 10.36.27
